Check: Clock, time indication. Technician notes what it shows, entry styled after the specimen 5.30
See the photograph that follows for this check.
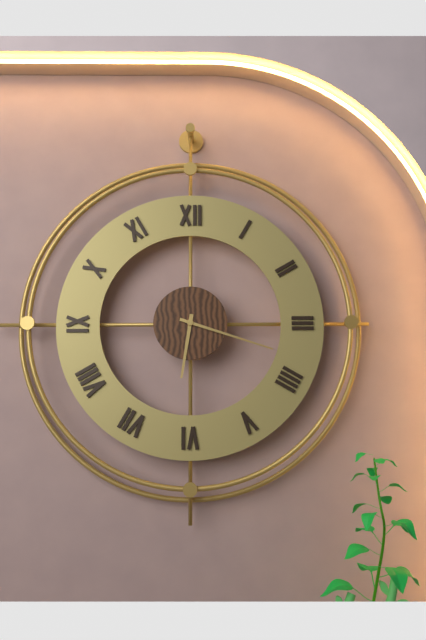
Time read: 6.18
